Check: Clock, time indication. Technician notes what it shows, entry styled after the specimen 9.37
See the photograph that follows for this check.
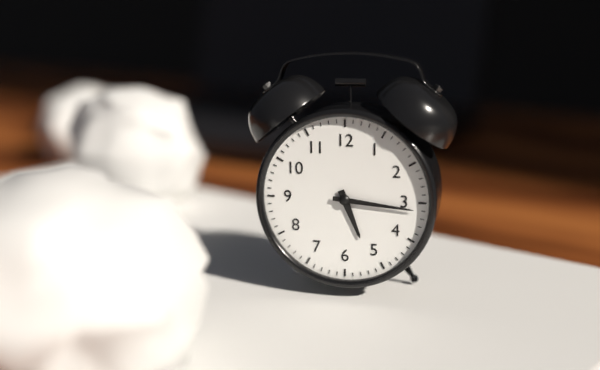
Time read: 5.16
